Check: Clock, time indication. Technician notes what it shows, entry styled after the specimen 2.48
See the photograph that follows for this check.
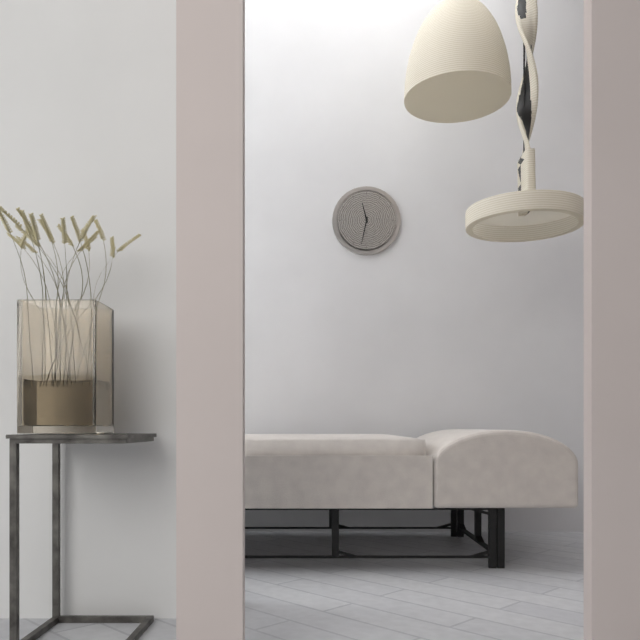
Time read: 11.32
